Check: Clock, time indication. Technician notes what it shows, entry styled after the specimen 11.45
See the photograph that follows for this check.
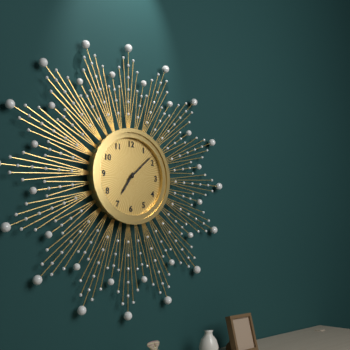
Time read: 7.08
